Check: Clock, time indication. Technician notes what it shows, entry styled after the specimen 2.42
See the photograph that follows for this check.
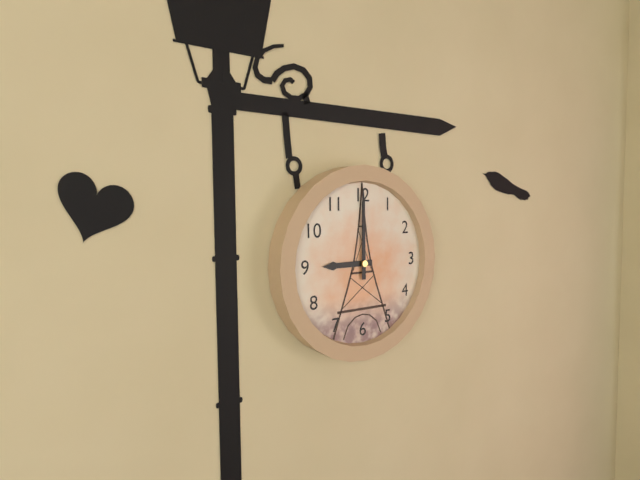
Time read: 9.00
